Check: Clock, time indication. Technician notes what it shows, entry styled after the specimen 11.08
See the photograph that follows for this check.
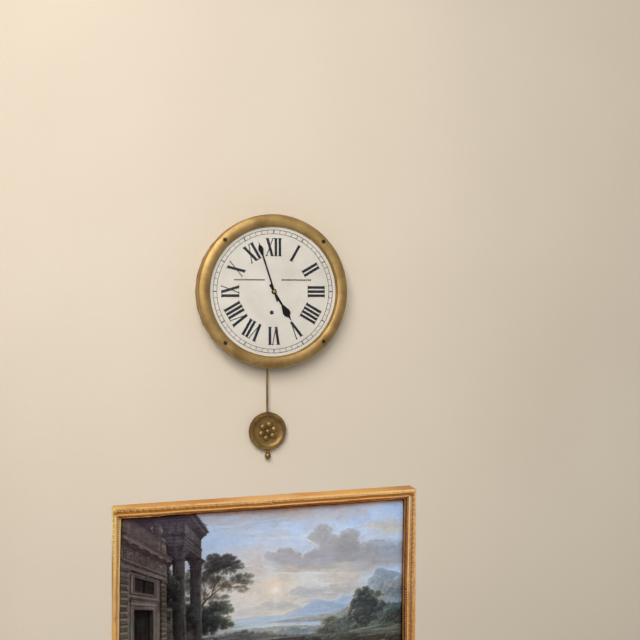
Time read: 4.57
